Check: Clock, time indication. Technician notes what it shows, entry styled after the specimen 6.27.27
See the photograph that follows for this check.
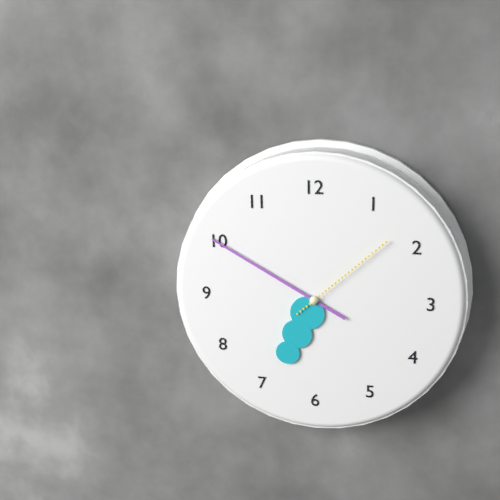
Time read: 6.50.08
